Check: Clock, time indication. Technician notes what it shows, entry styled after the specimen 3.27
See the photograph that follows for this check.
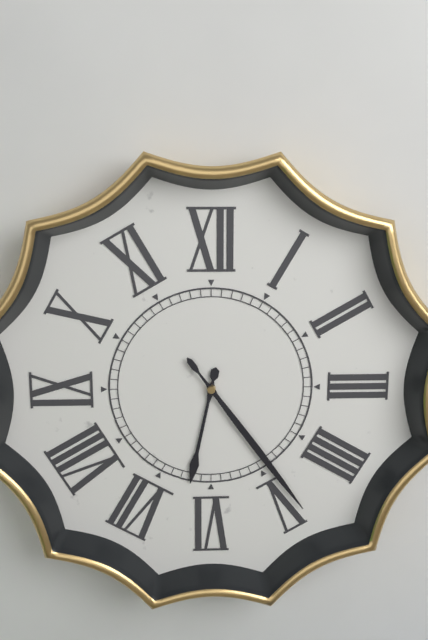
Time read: 6.24
